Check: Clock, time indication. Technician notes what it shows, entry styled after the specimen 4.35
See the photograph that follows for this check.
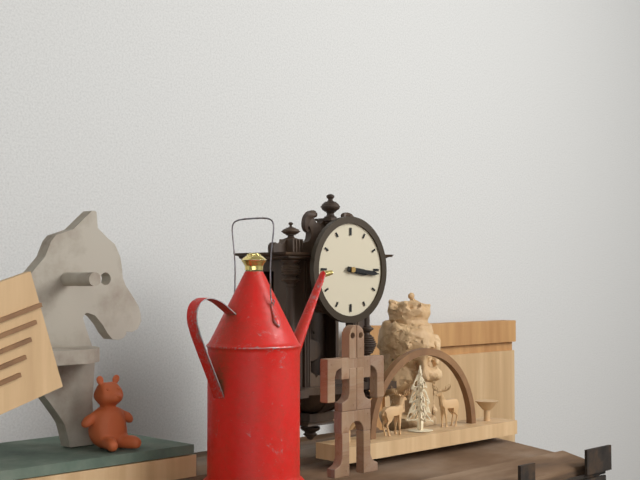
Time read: 3.16
